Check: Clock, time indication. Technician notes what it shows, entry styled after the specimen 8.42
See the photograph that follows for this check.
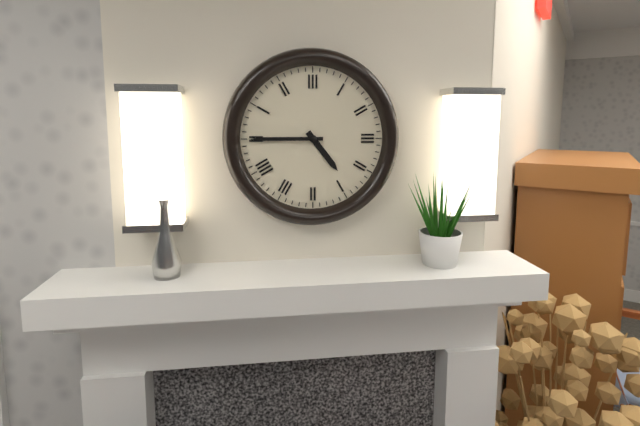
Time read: 4.45
